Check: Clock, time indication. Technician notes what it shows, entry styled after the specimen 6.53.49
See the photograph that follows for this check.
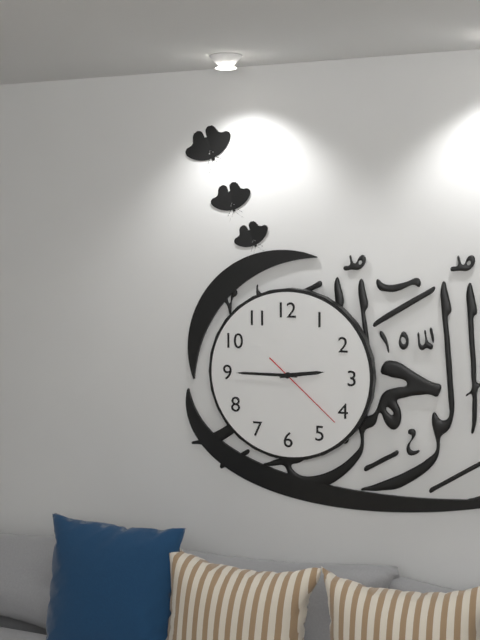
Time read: 2.45.22
